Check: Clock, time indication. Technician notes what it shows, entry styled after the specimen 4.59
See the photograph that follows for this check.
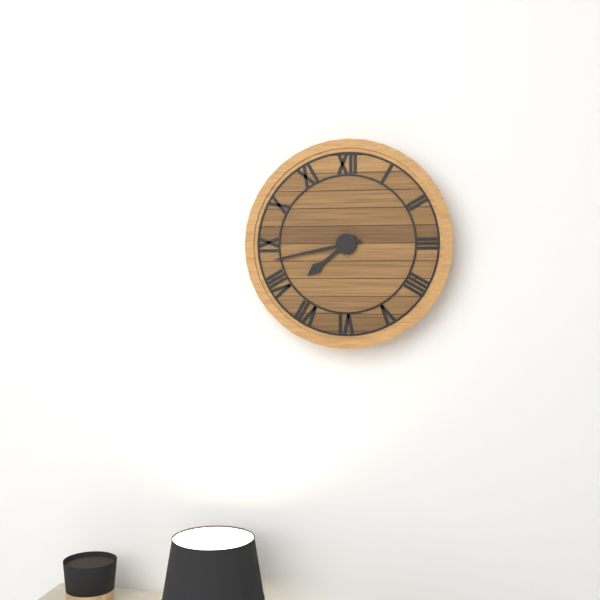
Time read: 7.43
